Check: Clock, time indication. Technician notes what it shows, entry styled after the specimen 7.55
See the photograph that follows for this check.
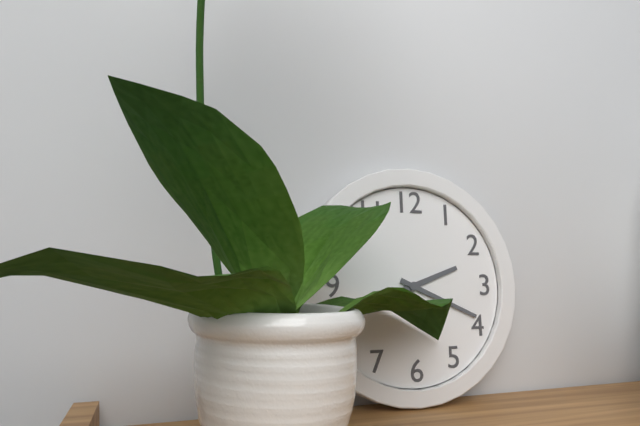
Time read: 2.19
